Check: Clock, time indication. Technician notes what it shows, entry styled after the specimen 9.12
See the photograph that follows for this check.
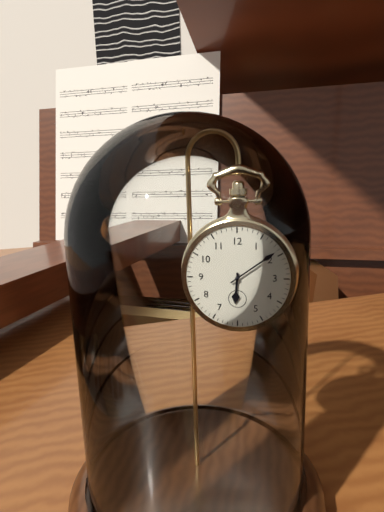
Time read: 6.09
